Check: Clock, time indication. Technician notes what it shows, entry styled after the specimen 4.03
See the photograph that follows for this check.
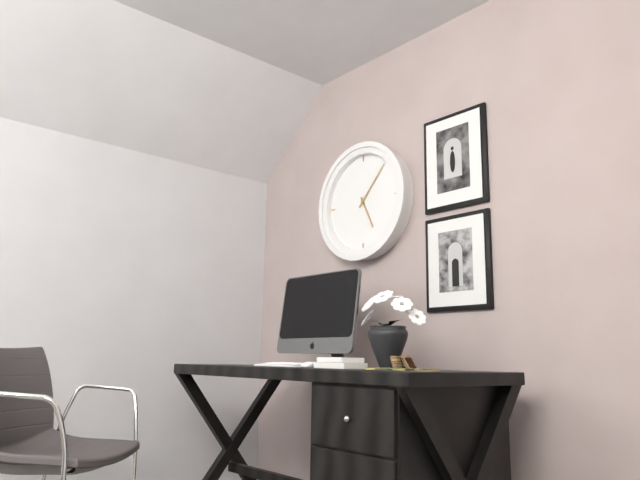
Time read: 5.07
